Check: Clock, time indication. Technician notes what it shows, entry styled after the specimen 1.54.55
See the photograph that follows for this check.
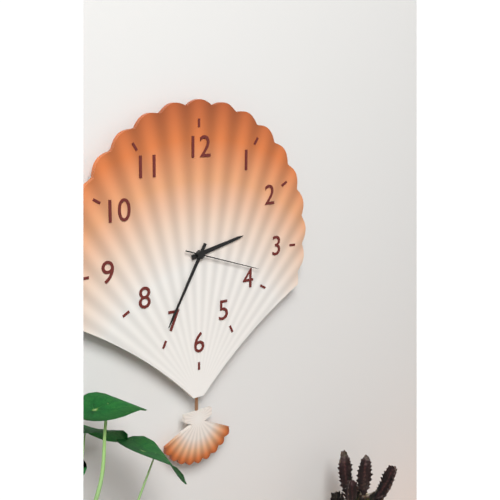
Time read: 2.35.18
